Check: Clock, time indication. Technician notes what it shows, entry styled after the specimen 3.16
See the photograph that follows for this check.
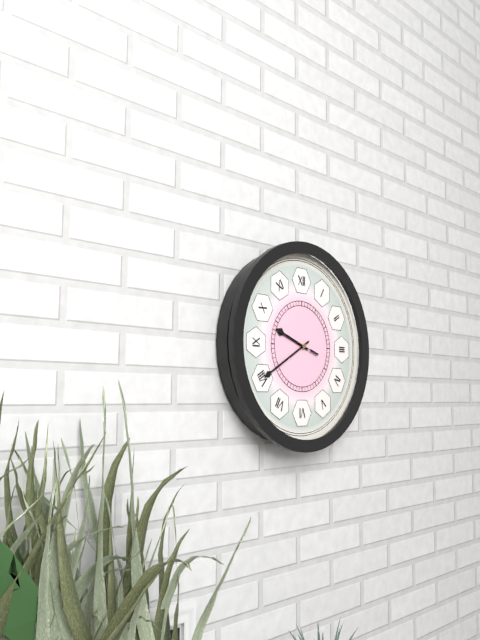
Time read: 9.40
